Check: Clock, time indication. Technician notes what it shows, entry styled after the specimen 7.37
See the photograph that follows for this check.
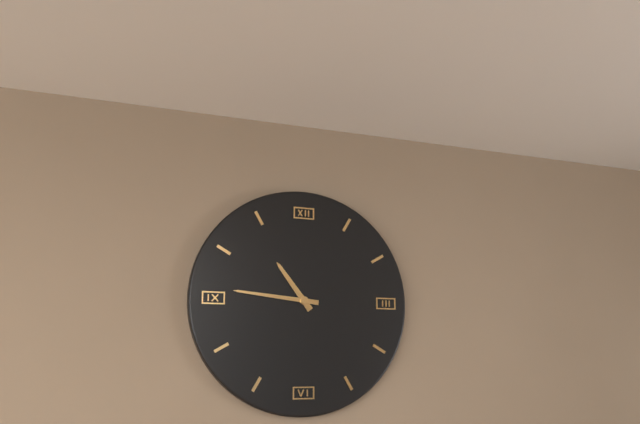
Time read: 10.46
